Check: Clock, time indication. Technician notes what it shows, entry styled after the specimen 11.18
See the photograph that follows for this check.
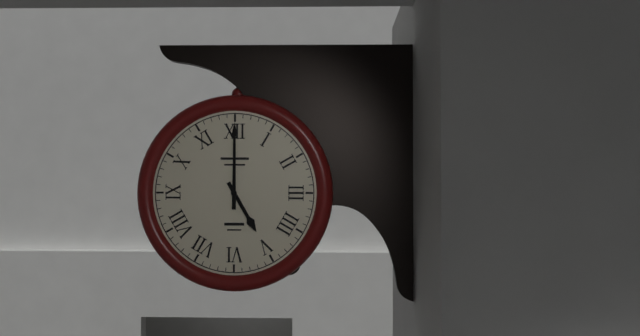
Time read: 5.00
